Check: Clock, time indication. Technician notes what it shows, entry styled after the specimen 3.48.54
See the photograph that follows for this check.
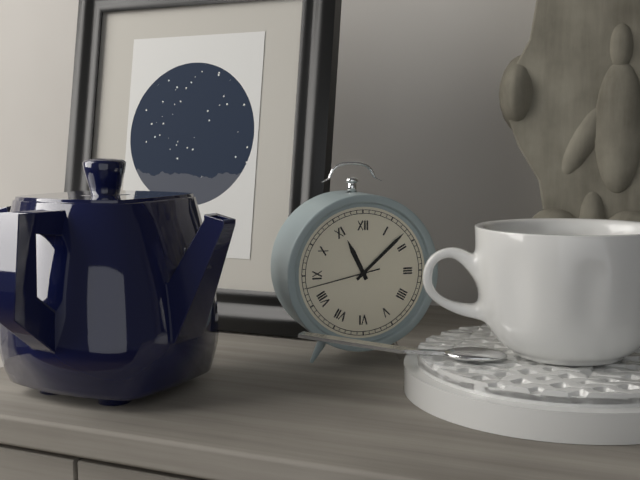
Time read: 11.08.43
